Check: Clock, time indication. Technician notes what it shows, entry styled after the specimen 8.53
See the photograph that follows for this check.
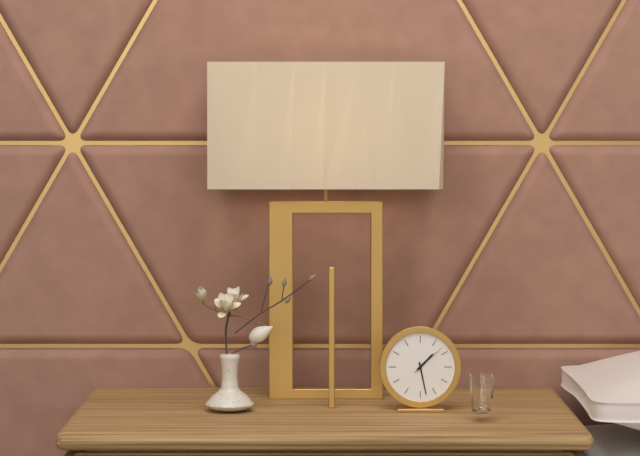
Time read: 1.28
